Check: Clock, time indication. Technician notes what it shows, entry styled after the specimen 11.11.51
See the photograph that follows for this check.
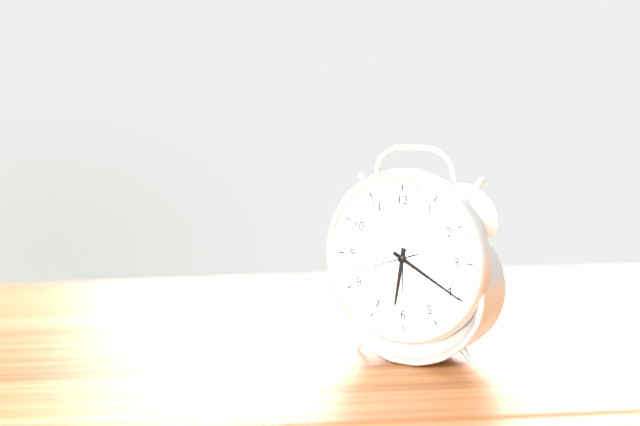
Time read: 6.20.42
